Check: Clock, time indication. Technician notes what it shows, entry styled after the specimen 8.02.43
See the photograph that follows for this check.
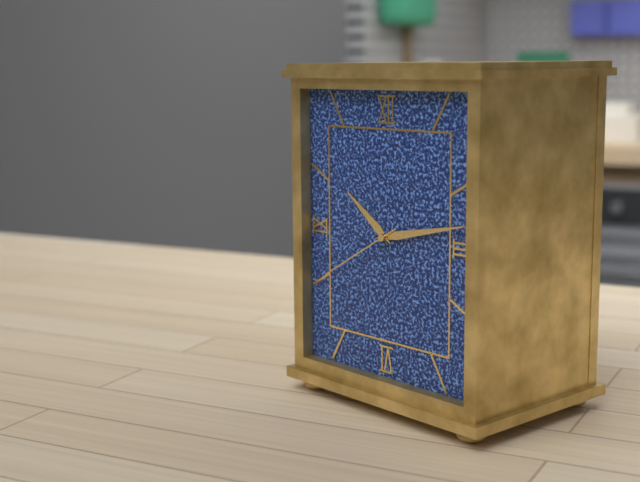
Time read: 10.13.40
